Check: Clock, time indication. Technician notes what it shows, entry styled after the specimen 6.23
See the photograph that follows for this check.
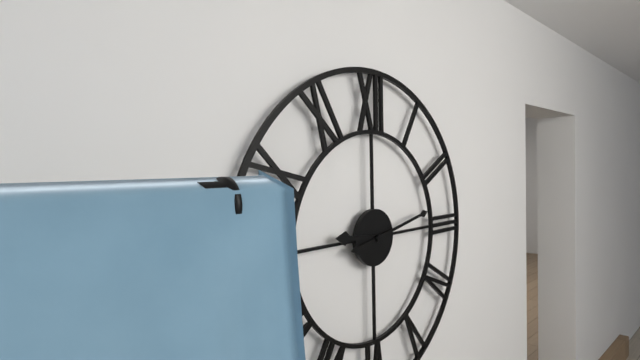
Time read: 9.13
